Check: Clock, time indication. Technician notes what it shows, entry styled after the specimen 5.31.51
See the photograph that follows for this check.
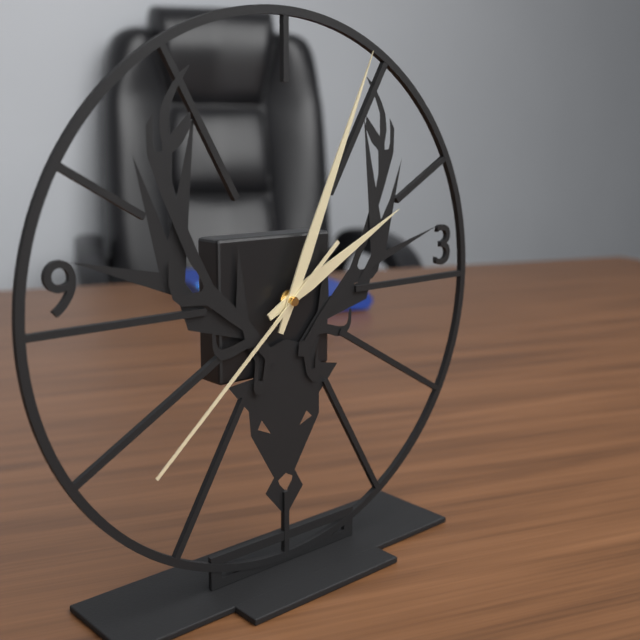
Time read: 2.04.38
